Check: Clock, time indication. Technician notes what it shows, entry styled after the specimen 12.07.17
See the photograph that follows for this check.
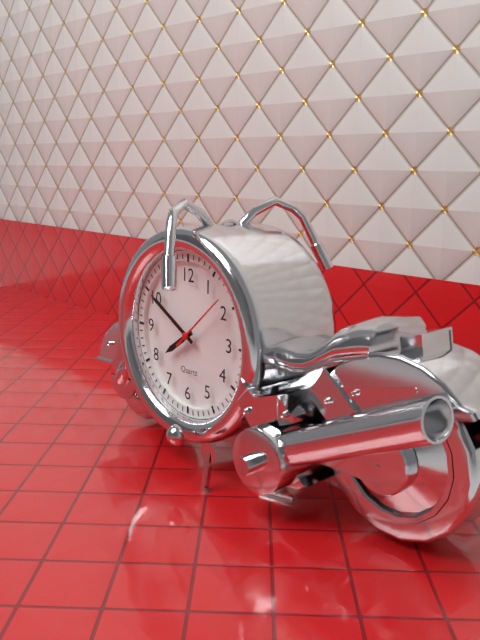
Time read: 7.50.08
